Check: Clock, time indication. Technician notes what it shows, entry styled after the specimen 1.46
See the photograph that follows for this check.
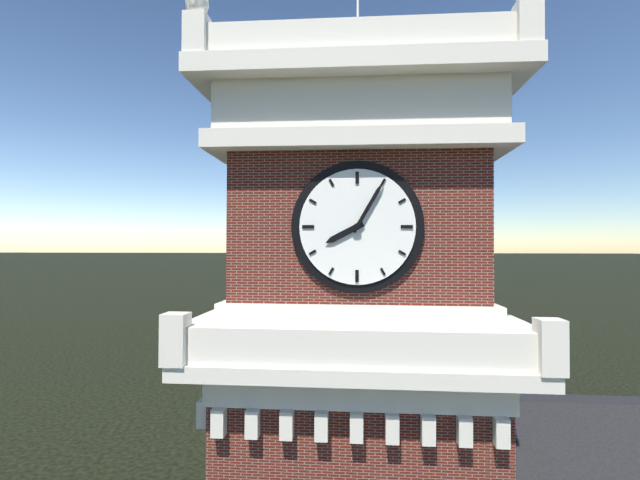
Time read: 8.05
